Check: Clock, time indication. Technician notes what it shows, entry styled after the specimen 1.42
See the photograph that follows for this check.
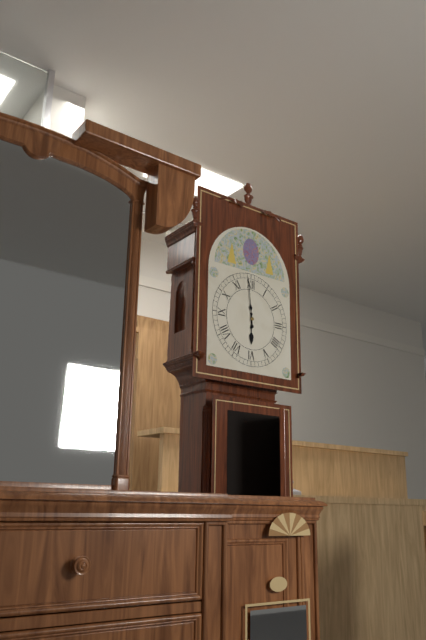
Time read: 5.59
